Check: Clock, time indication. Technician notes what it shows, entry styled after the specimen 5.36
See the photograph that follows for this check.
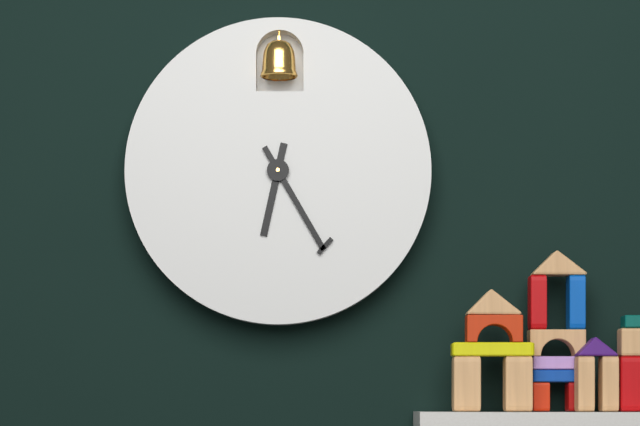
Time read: 6.25
